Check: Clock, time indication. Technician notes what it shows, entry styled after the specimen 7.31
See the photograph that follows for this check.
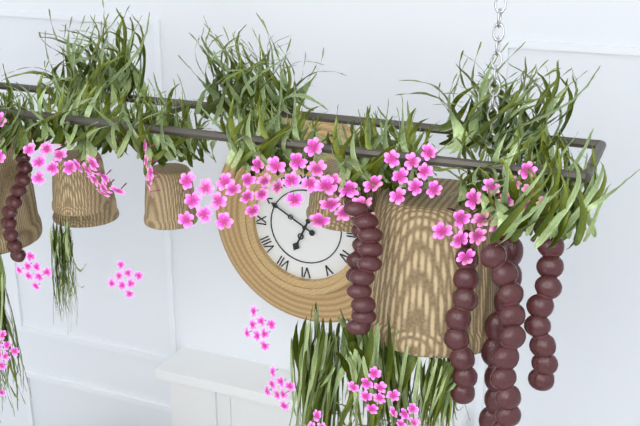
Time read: 6.50
